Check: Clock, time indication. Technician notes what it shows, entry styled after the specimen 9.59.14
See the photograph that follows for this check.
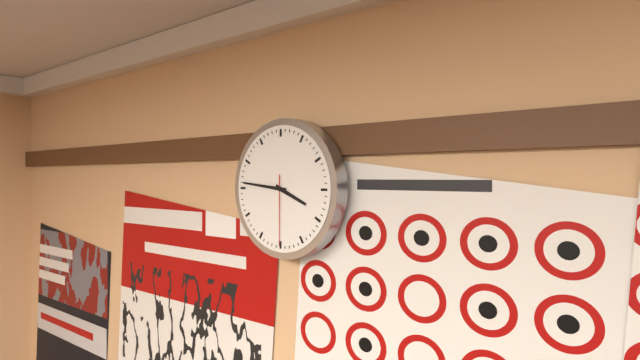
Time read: 3.46.30
